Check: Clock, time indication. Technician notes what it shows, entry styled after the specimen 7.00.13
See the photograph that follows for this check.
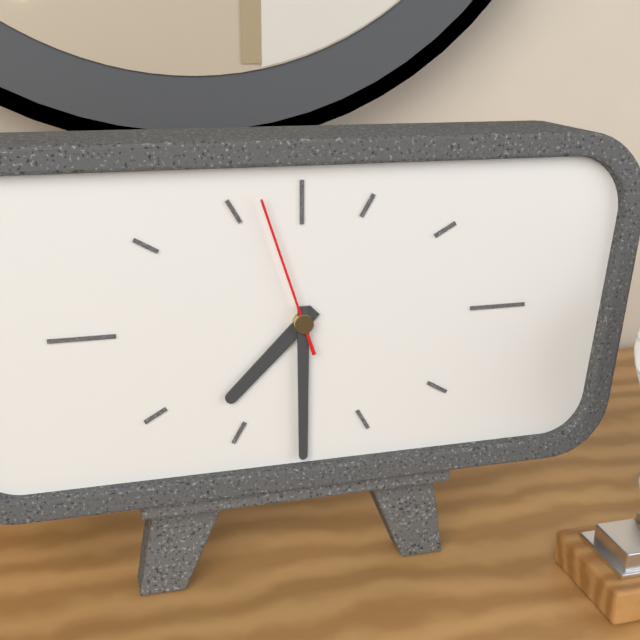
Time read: 7.30.57
